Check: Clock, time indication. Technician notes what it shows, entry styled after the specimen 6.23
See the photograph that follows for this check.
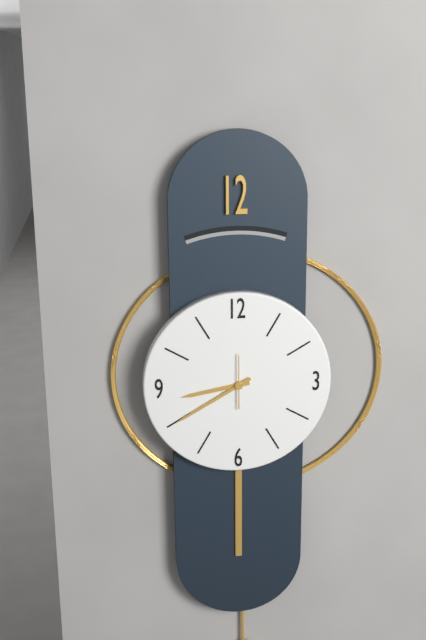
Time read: 8.40
